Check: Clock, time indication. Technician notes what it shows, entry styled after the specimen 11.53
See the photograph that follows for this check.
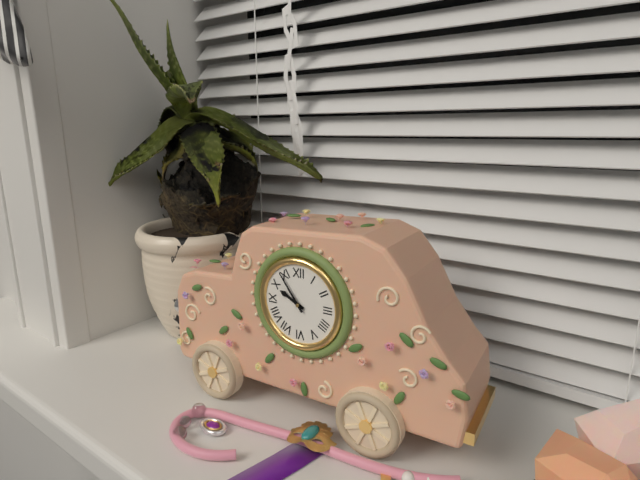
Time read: 9.54
